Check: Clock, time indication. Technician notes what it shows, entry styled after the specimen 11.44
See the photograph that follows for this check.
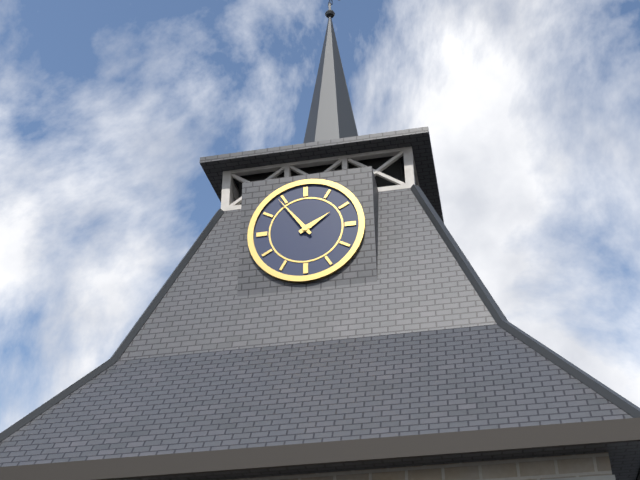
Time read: 1.54
